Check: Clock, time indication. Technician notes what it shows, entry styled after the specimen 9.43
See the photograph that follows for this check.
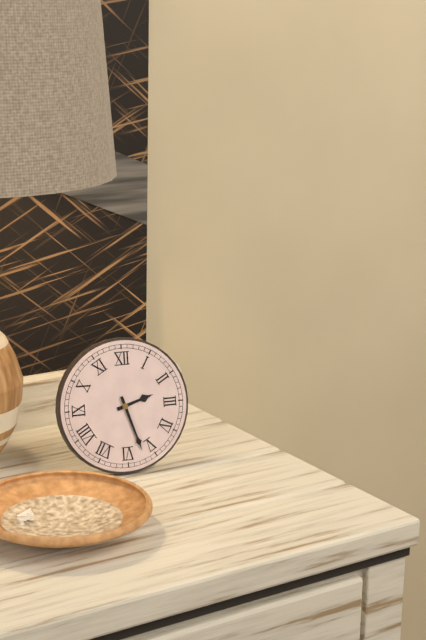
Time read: 2.27
